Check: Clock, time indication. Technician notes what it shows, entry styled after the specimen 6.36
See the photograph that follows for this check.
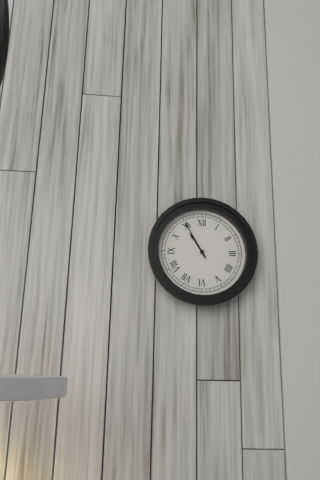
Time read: 10.55
